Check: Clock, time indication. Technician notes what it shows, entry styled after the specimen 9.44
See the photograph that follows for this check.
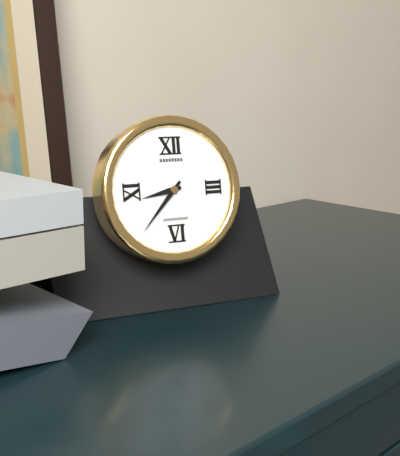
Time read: 8.37
